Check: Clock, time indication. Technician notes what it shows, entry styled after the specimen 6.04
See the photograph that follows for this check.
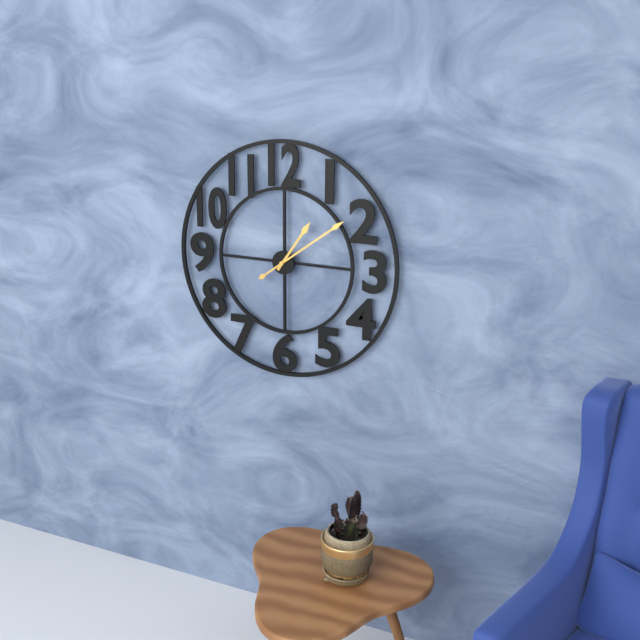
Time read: 1.09
